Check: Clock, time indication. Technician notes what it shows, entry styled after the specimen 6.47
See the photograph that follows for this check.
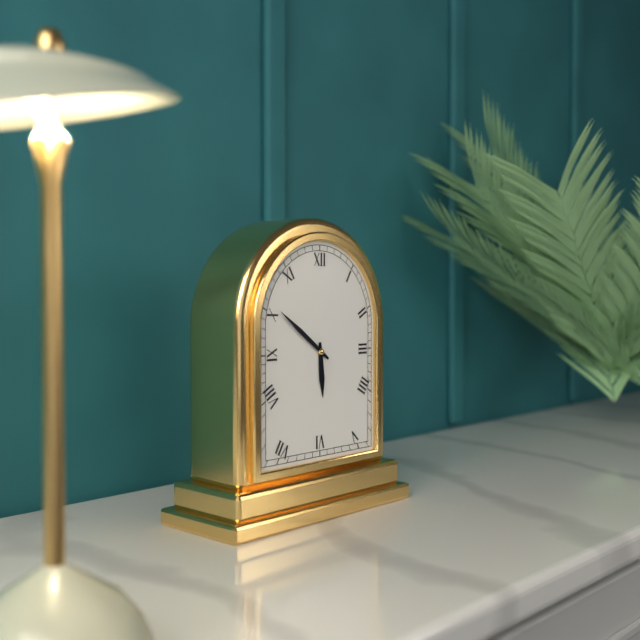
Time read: 5.51
